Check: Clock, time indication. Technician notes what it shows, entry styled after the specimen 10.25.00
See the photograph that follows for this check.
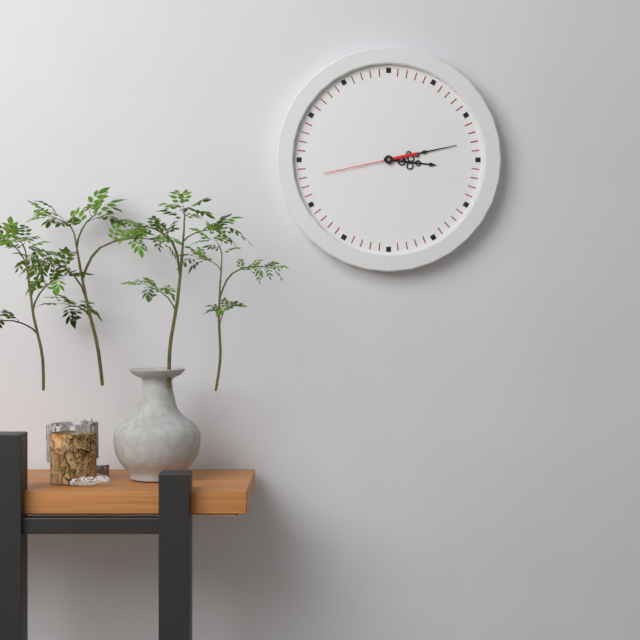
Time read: 3.13.43
